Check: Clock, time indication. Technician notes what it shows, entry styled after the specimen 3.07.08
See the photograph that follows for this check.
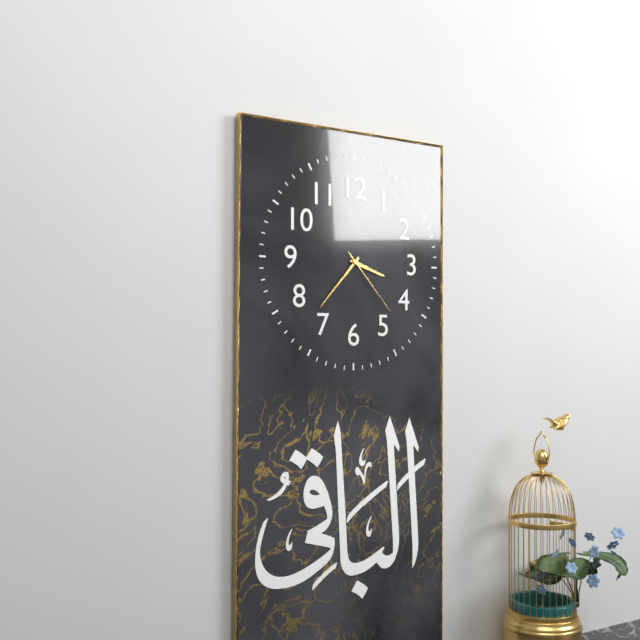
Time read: 3.37.23
